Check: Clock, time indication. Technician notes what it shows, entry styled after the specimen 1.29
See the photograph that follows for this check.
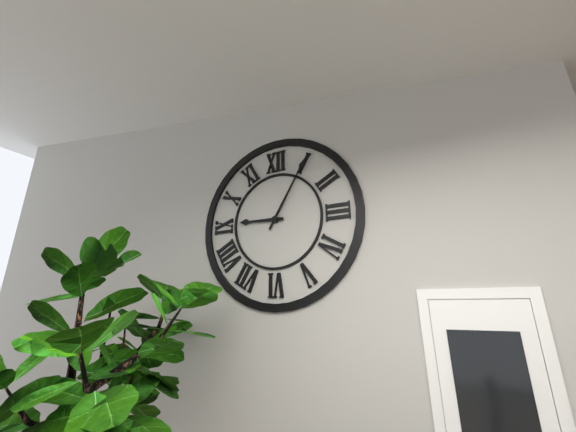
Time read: 9.05
